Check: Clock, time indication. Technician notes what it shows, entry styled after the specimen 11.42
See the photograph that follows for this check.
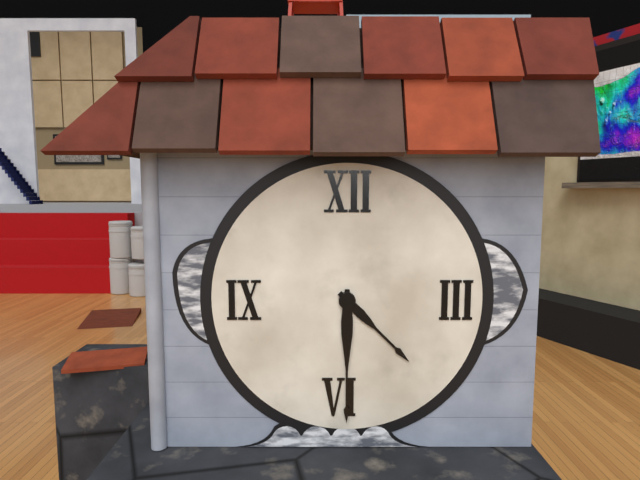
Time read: 4.30
